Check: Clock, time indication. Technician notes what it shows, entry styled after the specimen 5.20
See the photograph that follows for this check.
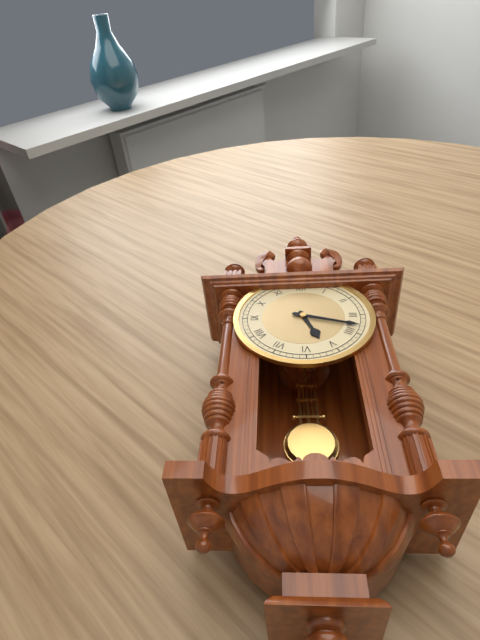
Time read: 5.18
